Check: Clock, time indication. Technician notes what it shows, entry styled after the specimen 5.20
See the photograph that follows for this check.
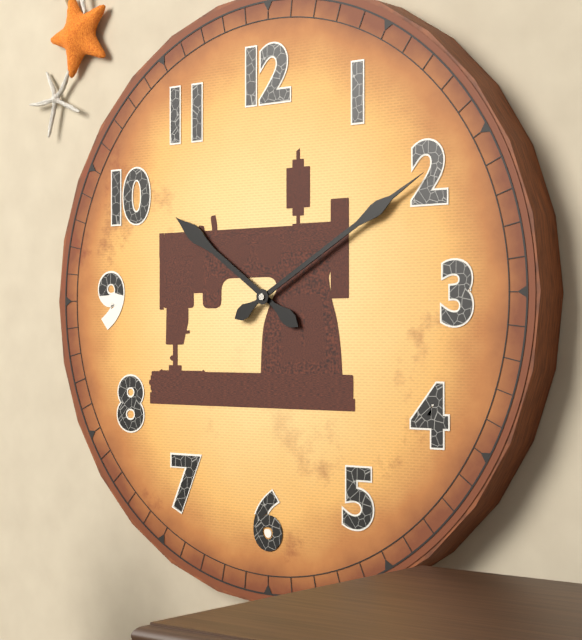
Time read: 10.10
